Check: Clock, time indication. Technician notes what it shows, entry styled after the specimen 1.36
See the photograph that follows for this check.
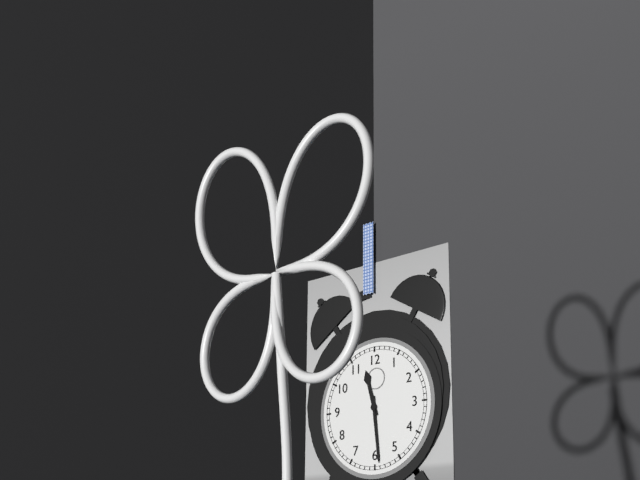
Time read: 11.29
